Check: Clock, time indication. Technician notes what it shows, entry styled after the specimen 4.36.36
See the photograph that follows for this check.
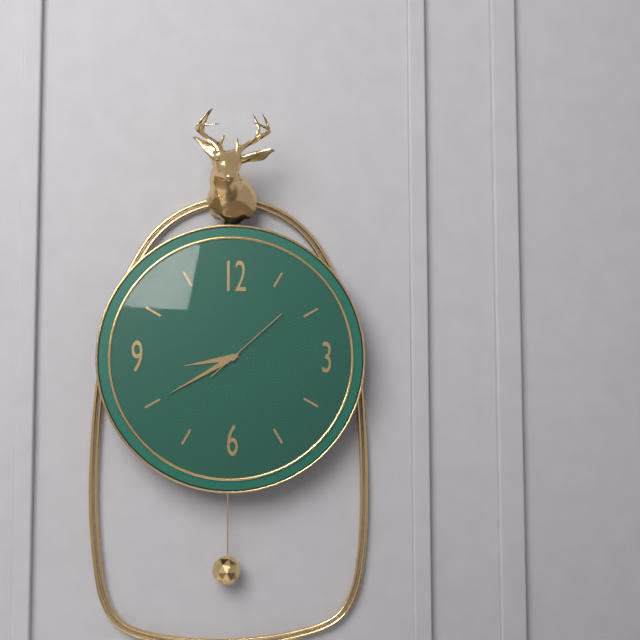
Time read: 8.40.08
